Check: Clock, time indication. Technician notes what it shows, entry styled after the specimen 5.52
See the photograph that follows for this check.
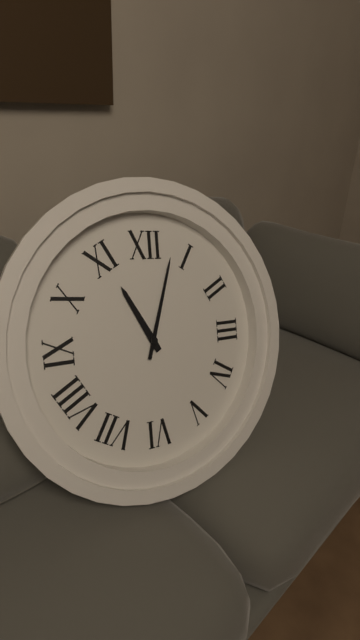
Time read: 11.03
